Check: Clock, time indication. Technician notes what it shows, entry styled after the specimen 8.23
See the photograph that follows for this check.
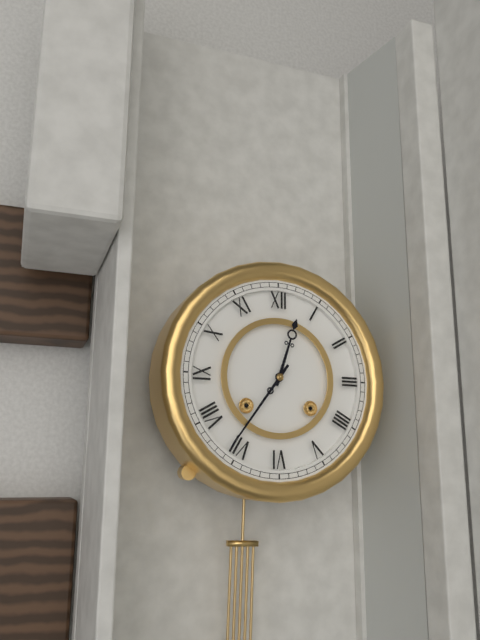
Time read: 12.36
